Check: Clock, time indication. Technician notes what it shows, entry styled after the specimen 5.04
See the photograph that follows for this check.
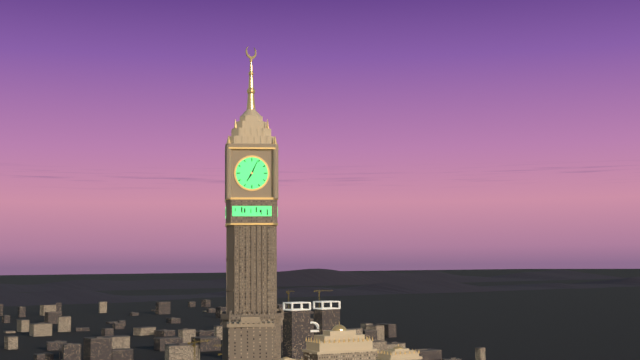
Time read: 7.04
